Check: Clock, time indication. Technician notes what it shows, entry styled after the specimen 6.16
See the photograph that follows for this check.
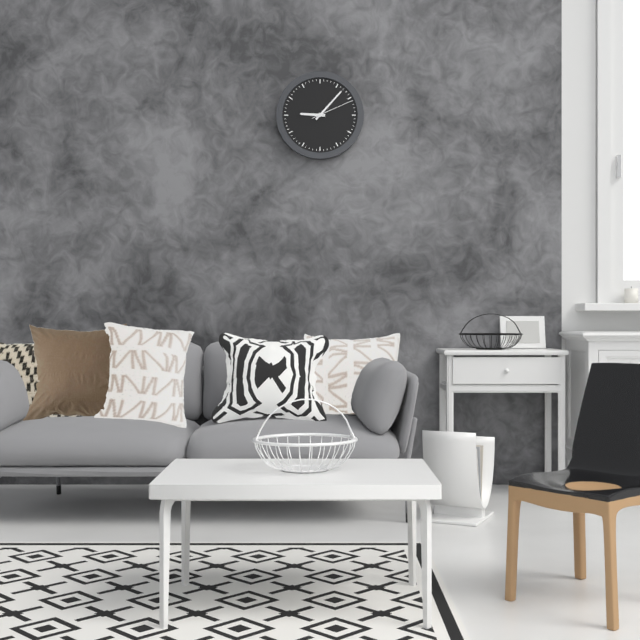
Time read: 9.07
